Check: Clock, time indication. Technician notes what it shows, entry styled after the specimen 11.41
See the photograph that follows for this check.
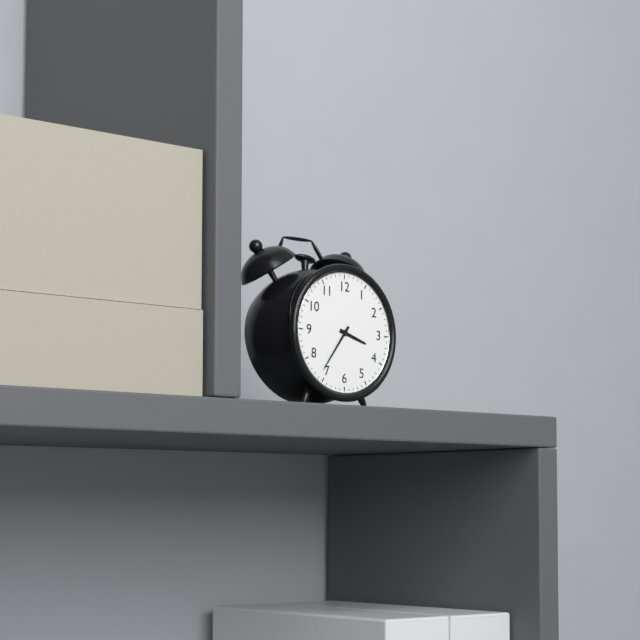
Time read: 3.36
